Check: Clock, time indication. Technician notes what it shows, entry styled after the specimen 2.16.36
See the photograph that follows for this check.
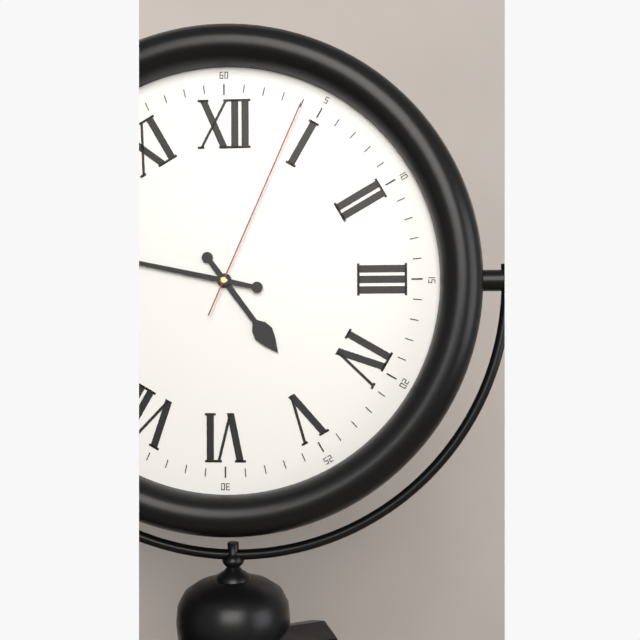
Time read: 4.47.04
